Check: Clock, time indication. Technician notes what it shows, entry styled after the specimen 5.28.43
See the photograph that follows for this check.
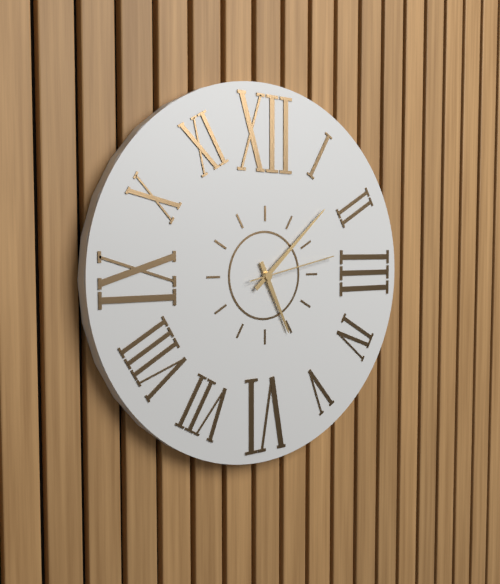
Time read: 5.08.13
